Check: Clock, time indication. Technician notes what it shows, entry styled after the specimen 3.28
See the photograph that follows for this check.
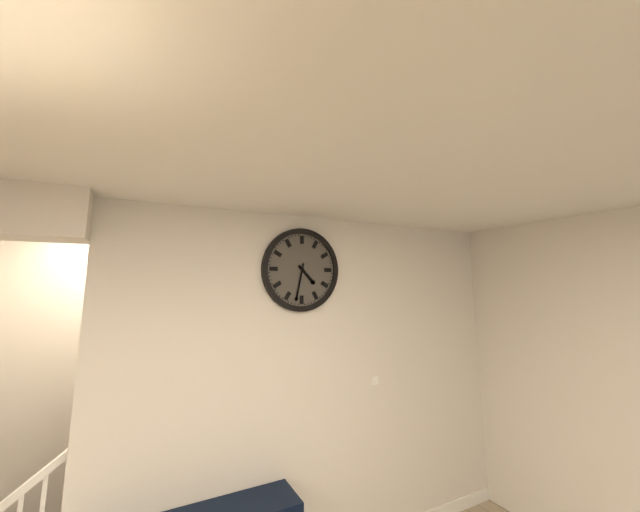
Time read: 4.32
